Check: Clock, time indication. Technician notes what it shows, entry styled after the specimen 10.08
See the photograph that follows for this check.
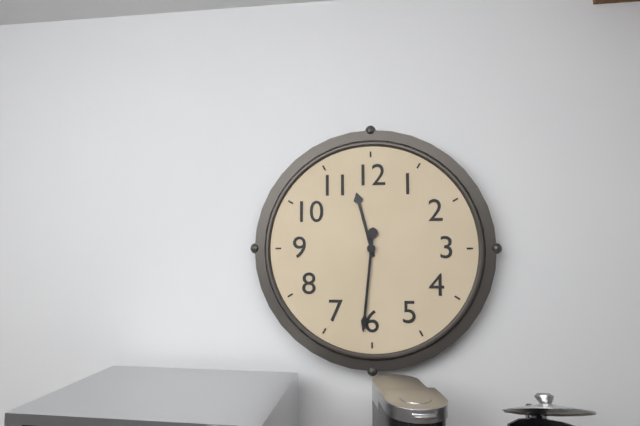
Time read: 11.31
